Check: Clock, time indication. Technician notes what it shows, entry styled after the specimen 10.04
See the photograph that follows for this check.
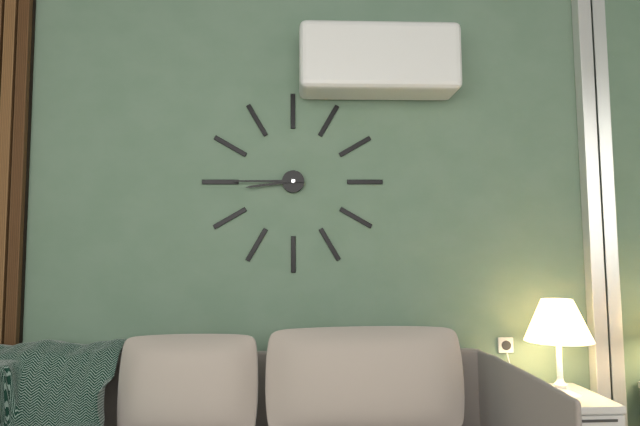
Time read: 8.45
